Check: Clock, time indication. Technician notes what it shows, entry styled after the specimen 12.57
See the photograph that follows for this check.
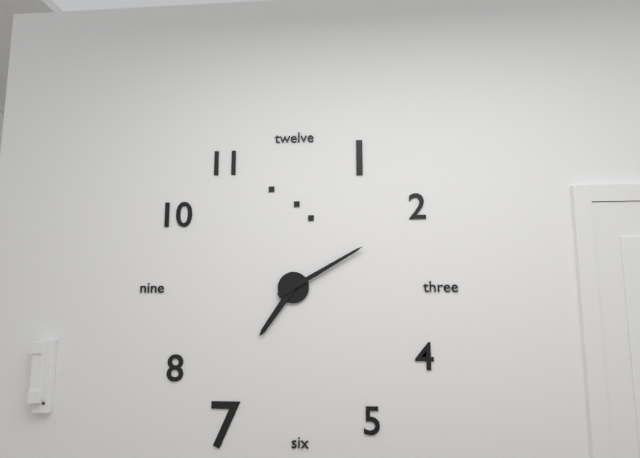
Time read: 7.10
